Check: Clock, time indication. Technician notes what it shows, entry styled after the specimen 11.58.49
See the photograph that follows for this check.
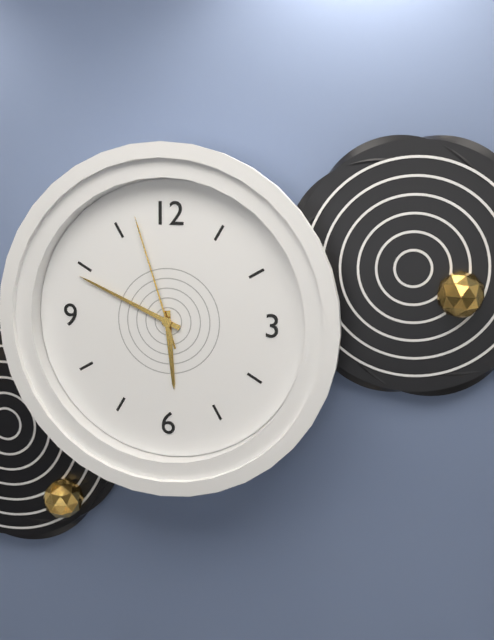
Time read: 5.49.57
